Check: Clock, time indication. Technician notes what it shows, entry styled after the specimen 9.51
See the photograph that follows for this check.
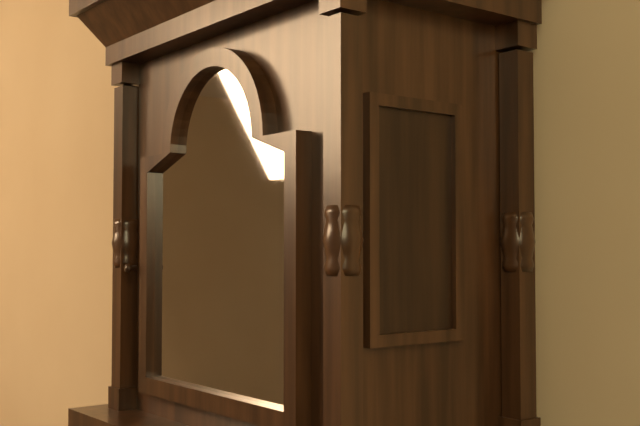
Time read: 10.36
